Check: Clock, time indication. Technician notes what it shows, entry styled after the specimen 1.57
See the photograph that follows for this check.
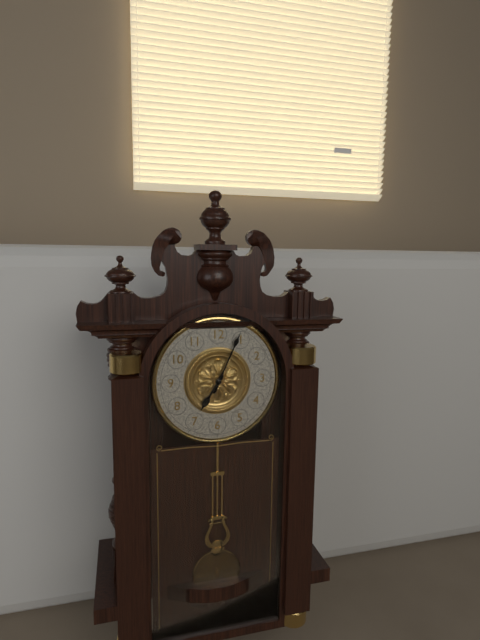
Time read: 7.04
